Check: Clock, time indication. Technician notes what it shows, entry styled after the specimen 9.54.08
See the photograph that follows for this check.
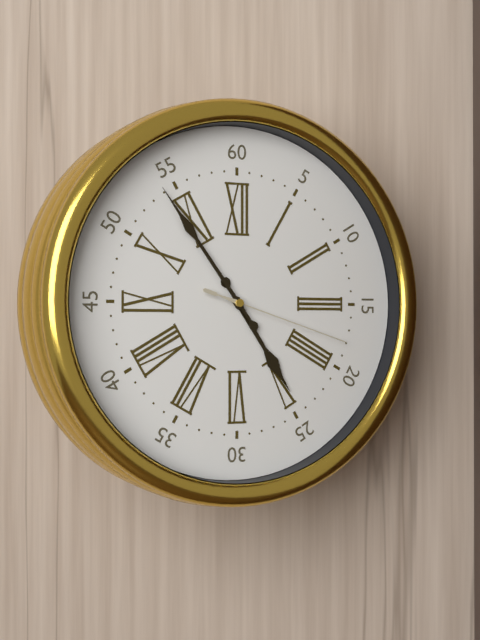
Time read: 4.54.18
